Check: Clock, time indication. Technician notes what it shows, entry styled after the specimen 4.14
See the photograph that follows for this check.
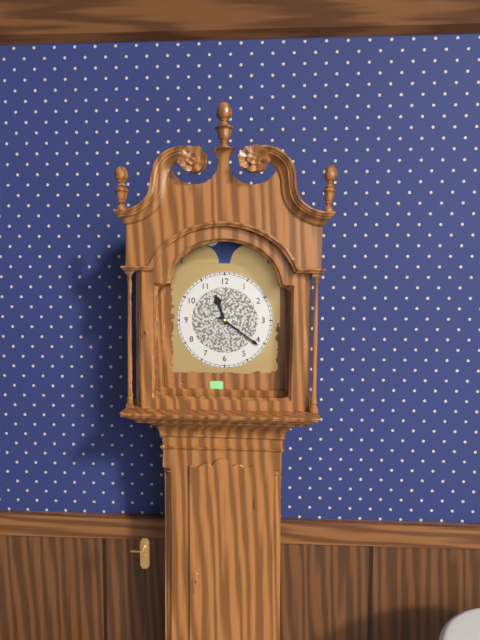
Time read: 11.21
